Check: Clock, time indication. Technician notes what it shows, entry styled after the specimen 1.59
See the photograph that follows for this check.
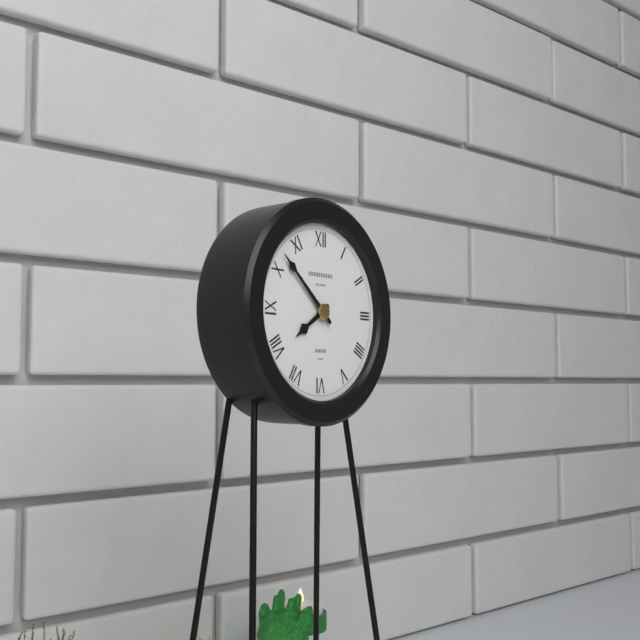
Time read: 7.52
